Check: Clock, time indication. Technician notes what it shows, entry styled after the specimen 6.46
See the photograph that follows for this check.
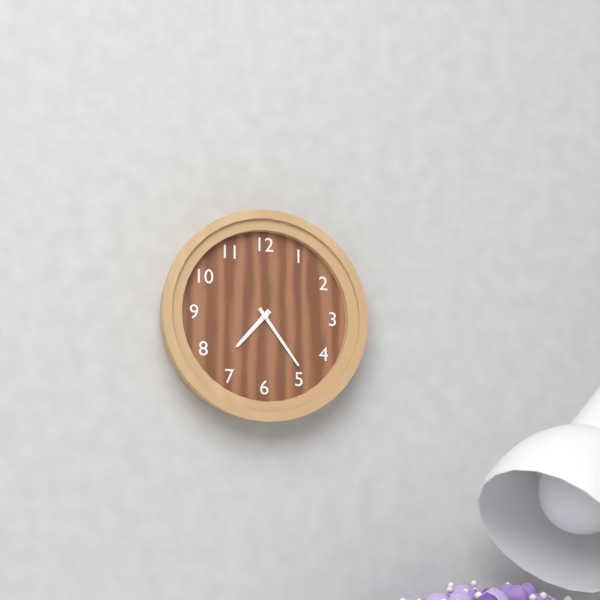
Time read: 7.24
